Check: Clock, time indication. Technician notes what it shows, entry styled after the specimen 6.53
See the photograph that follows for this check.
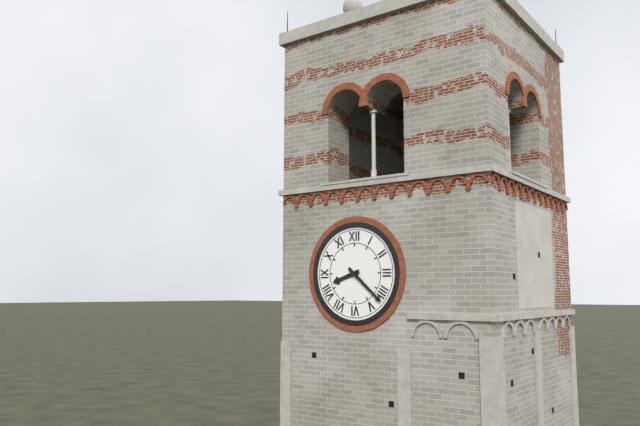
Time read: 8.22
